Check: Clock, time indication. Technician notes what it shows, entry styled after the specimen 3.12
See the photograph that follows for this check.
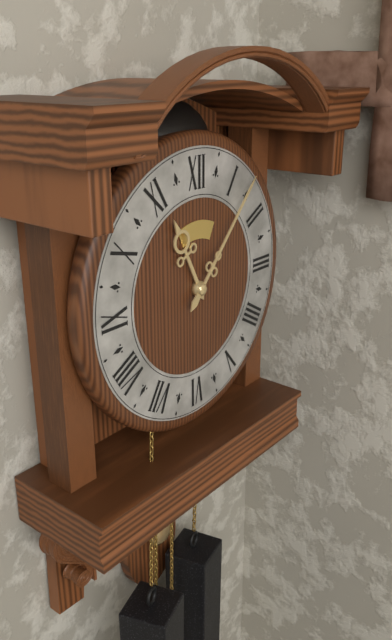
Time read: 11.07
